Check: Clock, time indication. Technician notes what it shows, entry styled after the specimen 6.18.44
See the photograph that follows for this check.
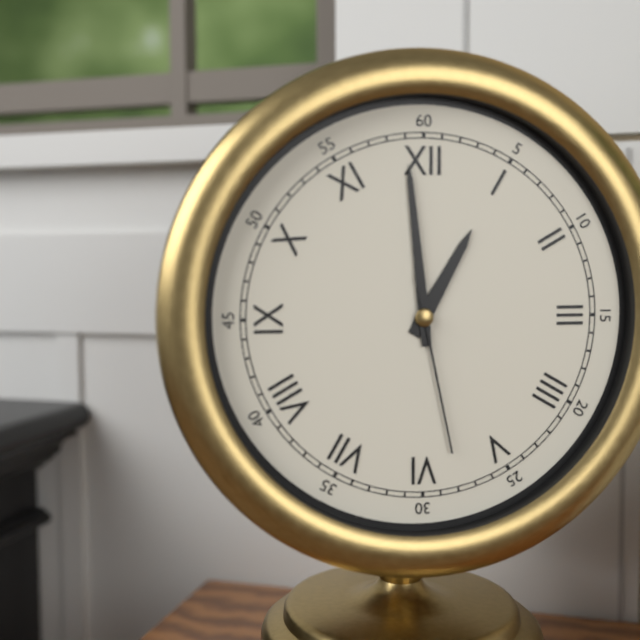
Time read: 12.59.28
